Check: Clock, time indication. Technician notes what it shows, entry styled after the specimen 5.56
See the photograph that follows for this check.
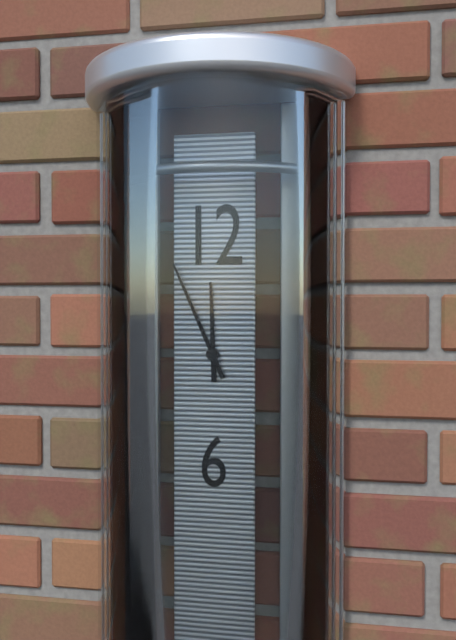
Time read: 11.56
